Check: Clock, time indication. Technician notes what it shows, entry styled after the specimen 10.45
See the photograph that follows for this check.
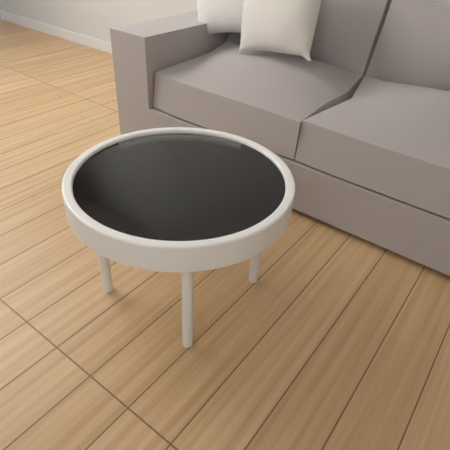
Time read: 4.41
